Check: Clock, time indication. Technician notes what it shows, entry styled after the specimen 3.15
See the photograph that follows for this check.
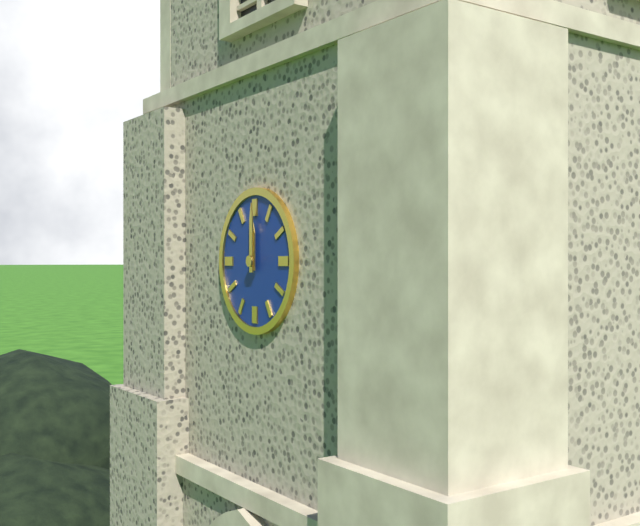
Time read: 12.00
